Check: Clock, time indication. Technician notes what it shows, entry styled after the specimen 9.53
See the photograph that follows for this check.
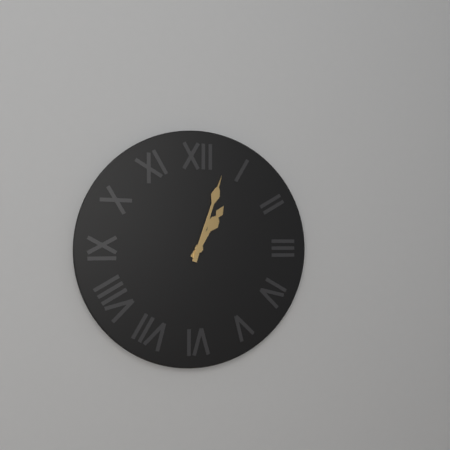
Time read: 1.03
